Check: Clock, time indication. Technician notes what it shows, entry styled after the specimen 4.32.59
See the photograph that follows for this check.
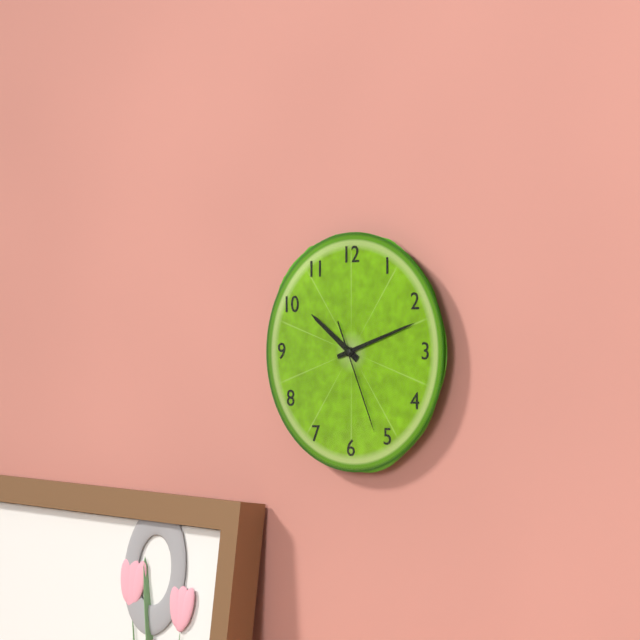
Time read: 10.12.26
